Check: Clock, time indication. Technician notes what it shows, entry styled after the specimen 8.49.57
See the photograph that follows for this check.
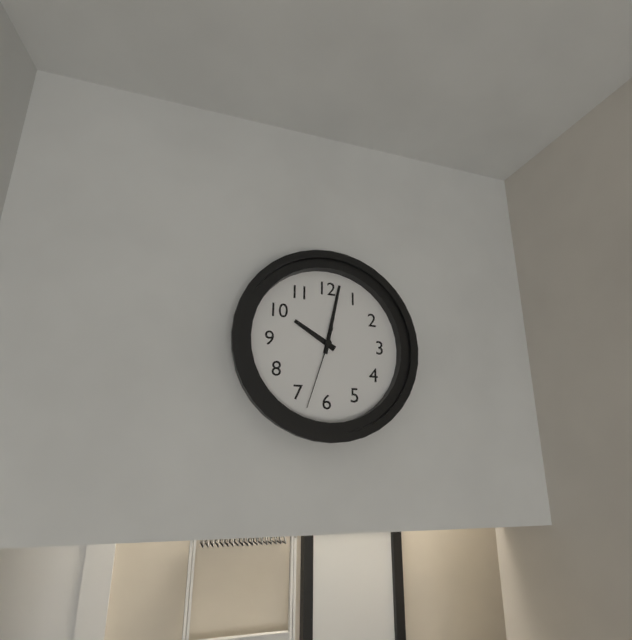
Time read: 10.02.33
